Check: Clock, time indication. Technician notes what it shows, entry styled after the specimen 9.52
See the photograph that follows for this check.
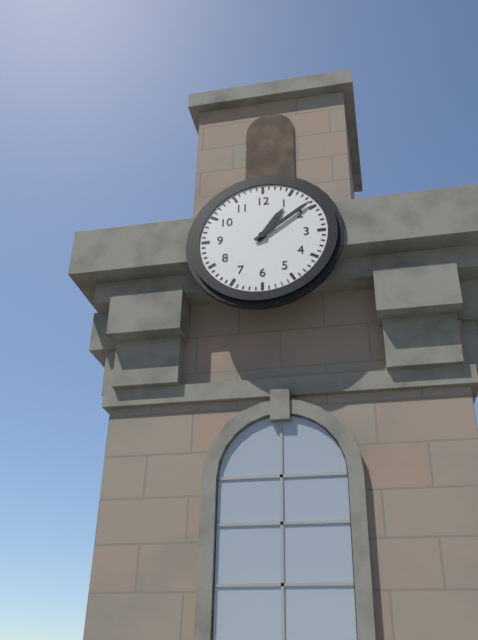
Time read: 1.09
